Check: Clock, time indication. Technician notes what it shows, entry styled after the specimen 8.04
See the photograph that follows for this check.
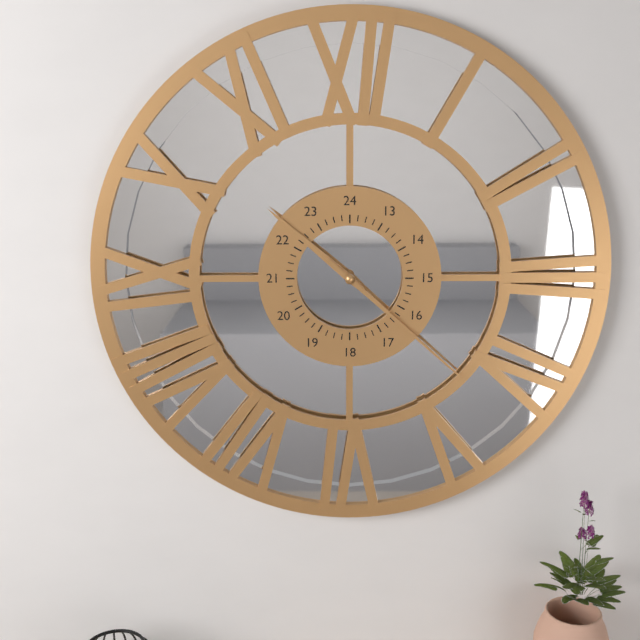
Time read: 10.22
